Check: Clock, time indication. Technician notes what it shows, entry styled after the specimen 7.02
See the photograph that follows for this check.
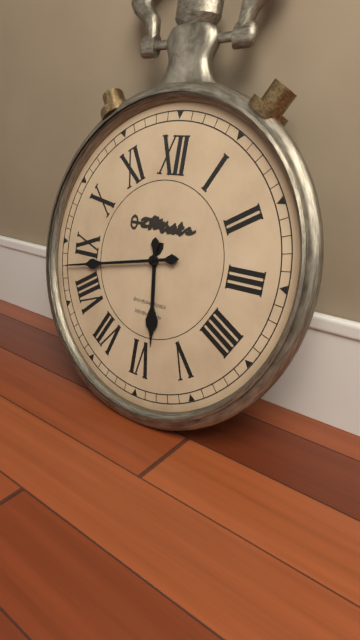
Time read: 5.43
